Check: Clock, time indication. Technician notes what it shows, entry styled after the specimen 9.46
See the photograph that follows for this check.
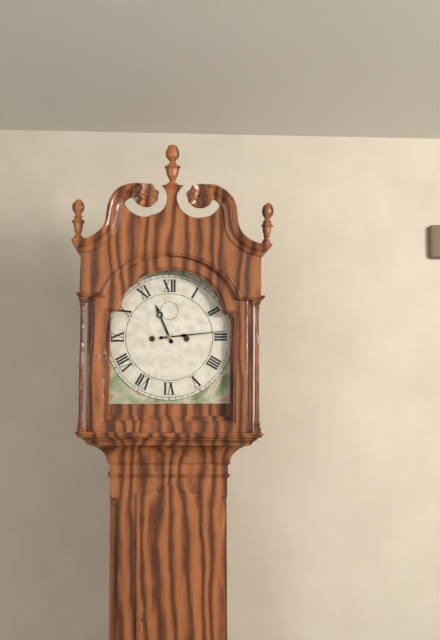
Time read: 11.14
